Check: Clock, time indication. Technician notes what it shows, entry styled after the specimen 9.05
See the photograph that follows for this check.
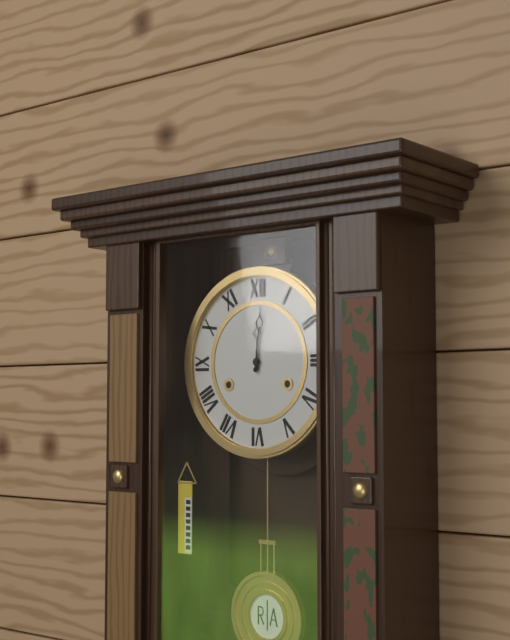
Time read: 12.01
